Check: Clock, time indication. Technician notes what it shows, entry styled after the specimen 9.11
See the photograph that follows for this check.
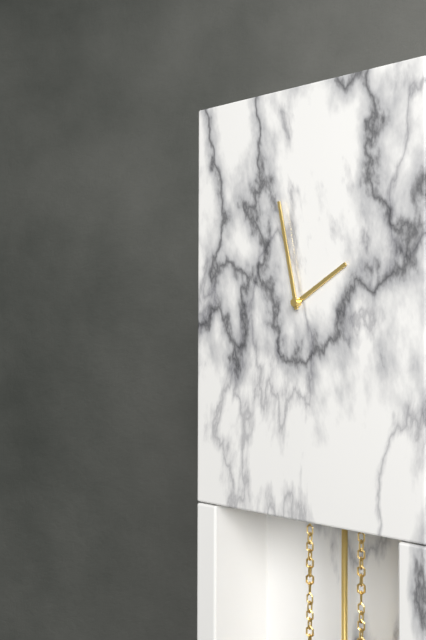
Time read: 1.58
